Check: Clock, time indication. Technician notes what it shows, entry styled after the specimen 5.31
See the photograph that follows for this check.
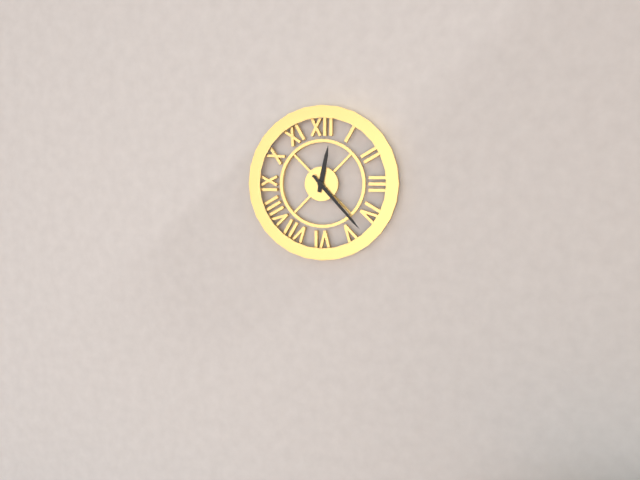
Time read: 12.23
